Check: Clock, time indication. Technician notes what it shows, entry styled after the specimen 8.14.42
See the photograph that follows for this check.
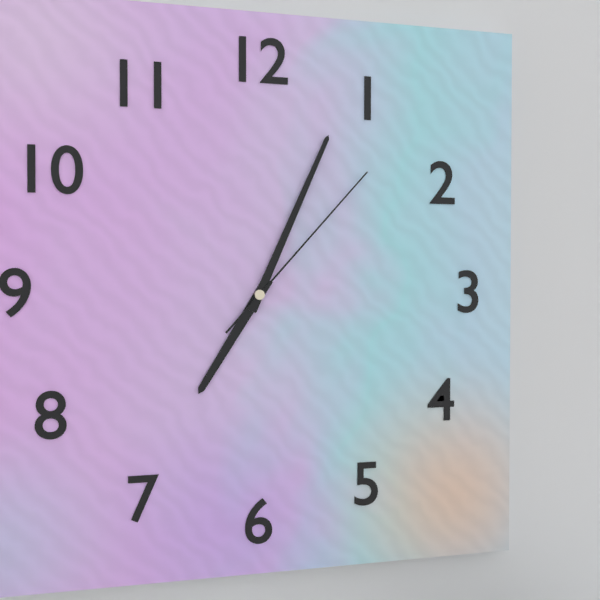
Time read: 7.04.07
